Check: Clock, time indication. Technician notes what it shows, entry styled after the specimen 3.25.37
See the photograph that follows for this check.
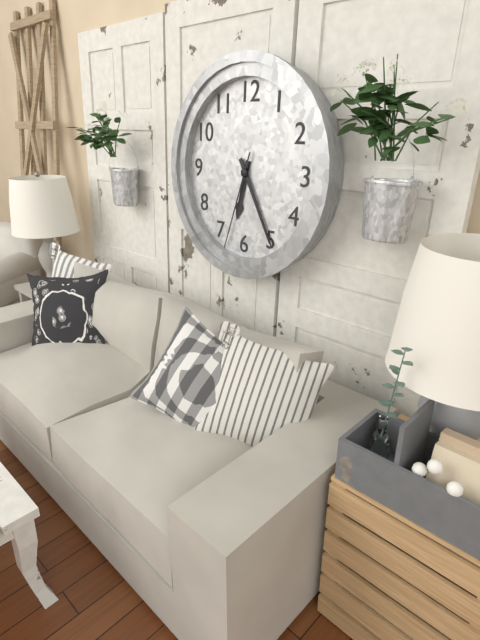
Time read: 6.25.33
